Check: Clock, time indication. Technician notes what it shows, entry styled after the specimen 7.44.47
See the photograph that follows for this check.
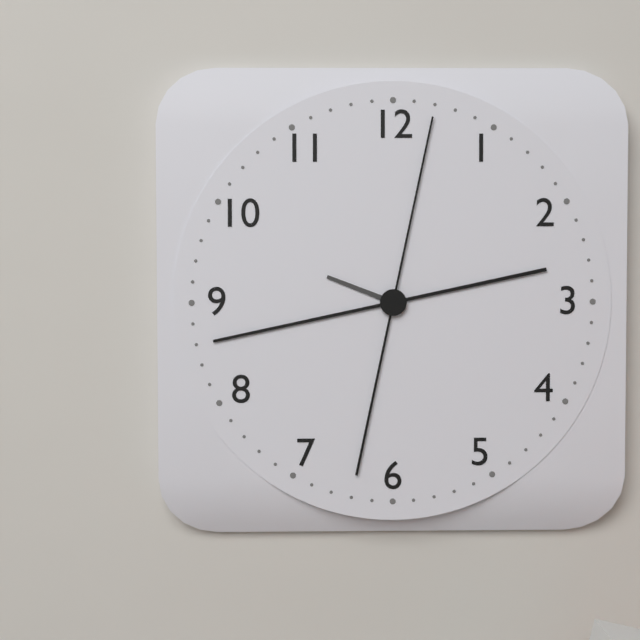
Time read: 9.43.02
